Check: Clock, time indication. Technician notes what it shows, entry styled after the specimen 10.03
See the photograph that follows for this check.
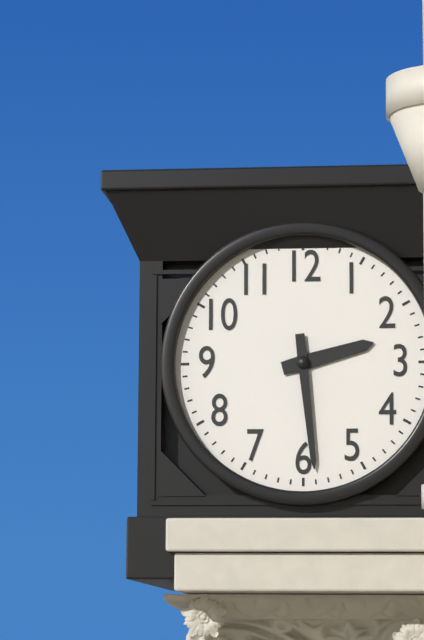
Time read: 2.29
